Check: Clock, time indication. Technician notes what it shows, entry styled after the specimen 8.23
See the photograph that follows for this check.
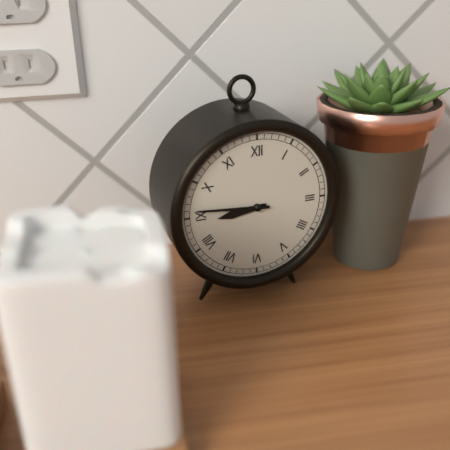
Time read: 8.46
